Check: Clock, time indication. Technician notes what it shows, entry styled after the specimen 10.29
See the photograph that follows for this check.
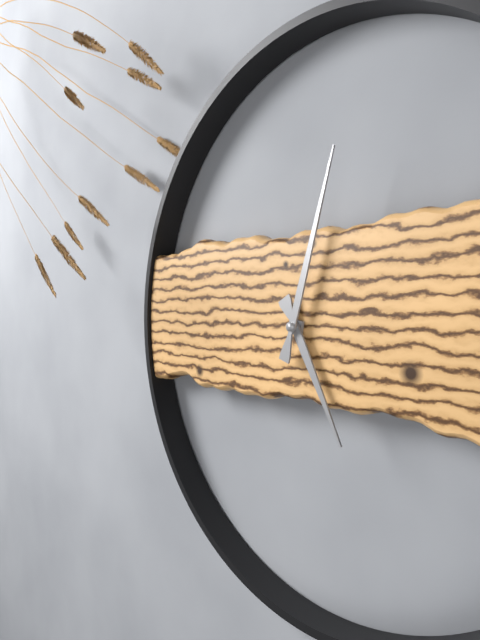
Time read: 5.03
